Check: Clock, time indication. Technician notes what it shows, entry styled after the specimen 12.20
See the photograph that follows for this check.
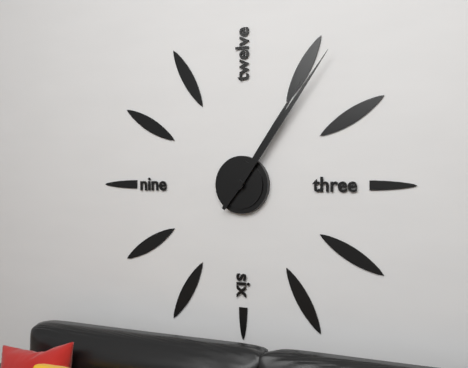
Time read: 1.06
